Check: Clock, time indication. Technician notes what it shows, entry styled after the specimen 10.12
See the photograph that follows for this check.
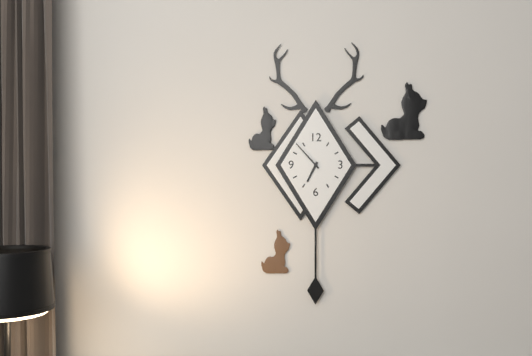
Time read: 6.53
